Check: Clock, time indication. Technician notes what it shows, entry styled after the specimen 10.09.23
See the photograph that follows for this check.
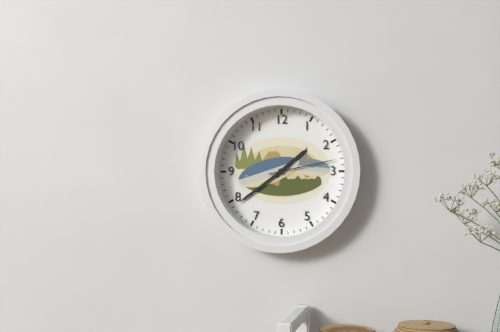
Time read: 1.39.13
